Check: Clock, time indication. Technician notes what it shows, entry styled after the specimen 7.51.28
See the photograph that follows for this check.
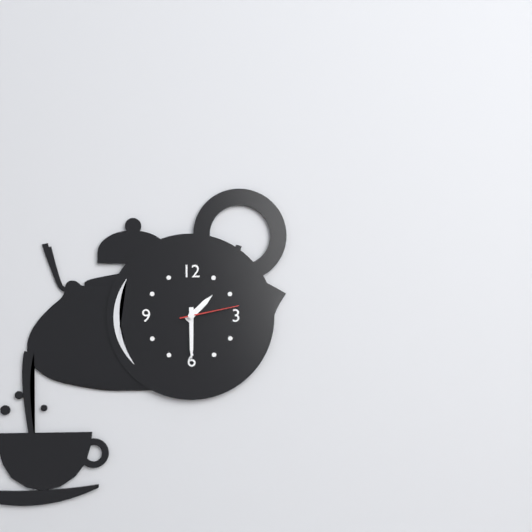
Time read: 1.30.13
